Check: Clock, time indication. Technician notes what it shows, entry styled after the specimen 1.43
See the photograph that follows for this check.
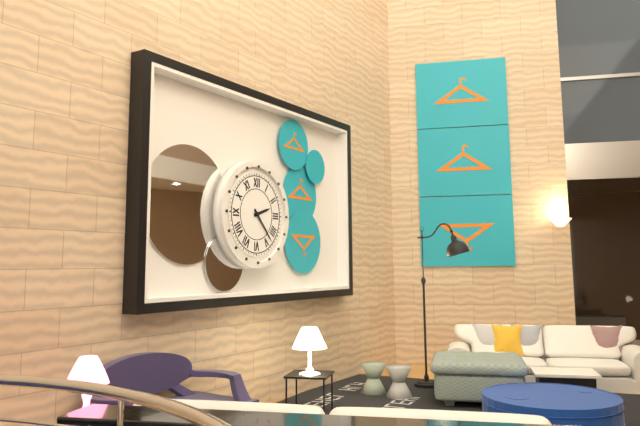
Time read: 2.23
